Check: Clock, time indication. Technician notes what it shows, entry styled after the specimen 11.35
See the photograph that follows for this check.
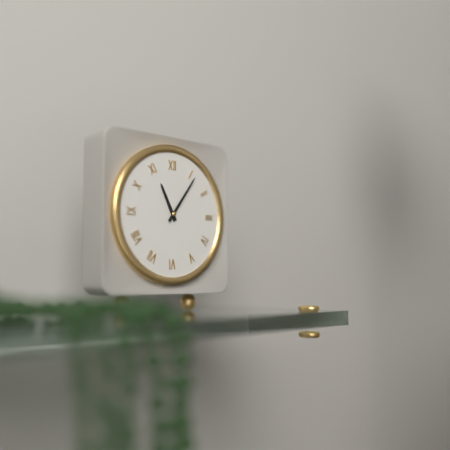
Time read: 11.06
